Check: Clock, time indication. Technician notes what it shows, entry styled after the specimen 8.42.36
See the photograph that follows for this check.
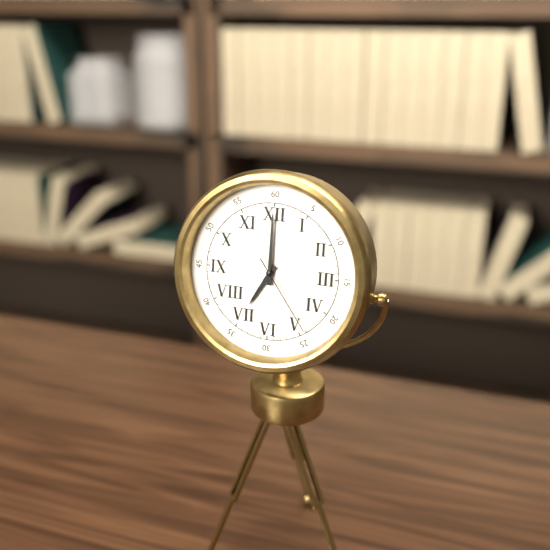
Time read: 7.00.24
